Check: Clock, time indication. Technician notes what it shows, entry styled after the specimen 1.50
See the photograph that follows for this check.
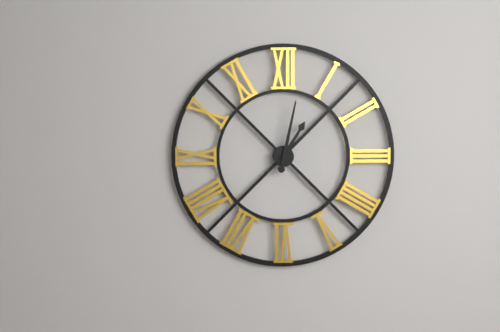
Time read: 1.02
